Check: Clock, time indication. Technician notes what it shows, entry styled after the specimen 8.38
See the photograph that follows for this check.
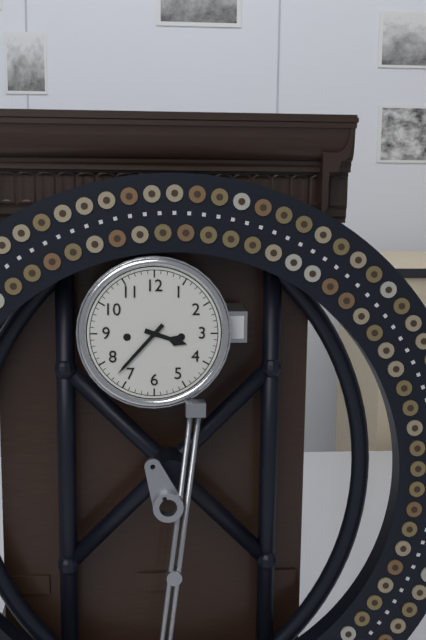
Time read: 3.37
